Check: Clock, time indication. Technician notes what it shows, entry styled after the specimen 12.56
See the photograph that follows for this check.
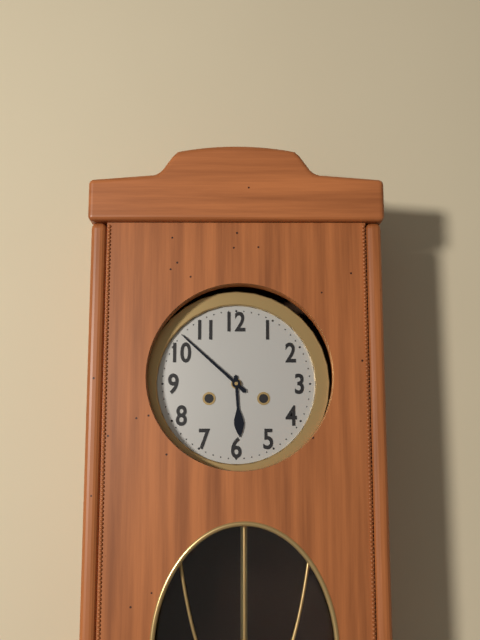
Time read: 5.52
